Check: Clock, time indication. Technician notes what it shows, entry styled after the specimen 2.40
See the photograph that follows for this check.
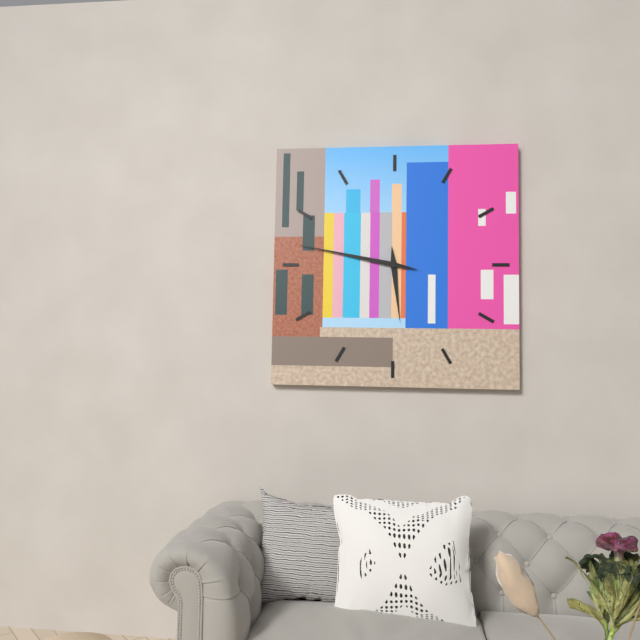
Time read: 5.47
